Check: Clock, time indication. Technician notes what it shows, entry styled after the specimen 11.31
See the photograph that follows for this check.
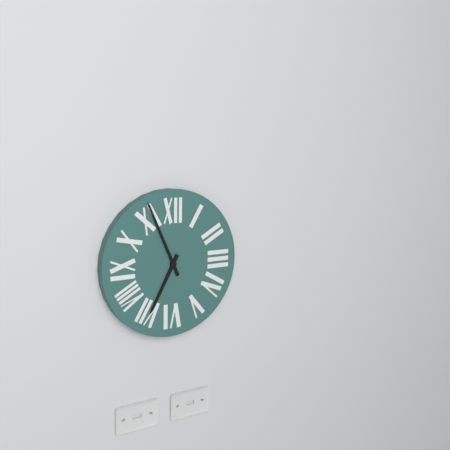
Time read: 6.56
